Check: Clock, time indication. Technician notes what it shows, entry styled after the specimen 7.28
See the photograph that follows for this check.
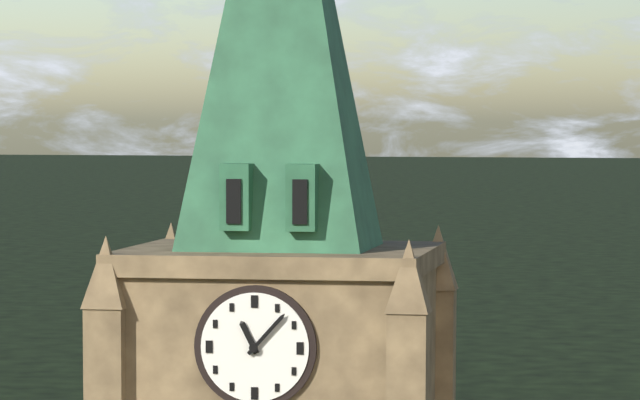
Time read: 11.07
